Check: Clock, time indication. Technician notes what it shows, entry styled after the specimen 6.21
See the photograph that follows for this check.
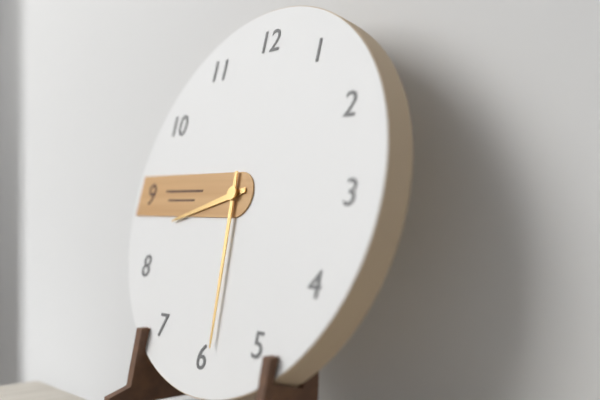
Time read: 8.29
